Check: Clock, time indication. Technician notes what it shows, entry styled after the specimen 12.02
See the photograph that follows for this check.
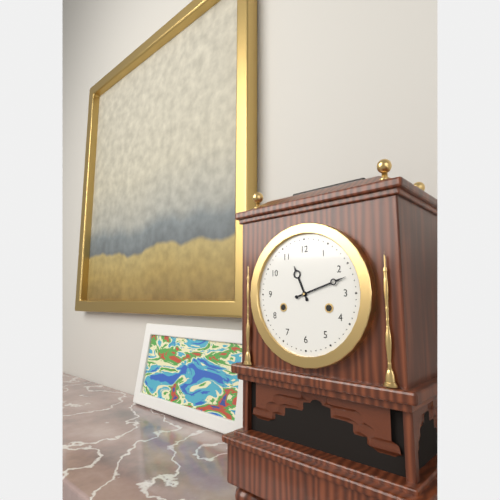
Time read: 11.12
